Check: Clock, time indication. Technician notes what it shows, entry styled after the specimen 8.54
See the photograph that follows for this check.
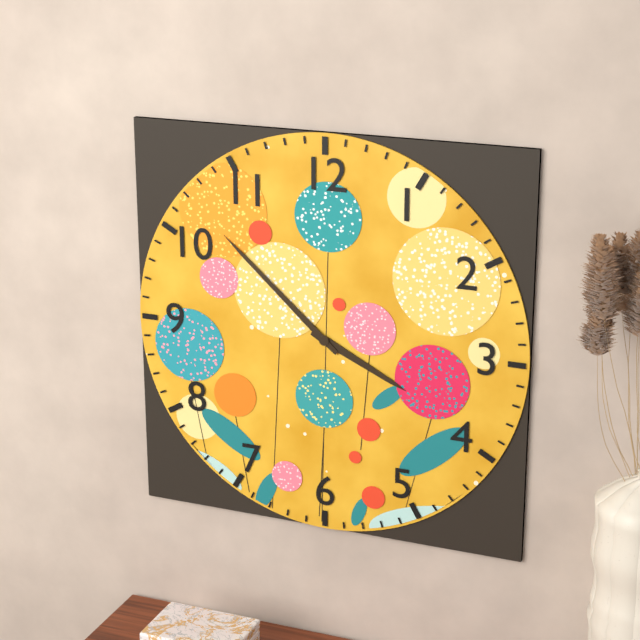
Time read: 3.52
